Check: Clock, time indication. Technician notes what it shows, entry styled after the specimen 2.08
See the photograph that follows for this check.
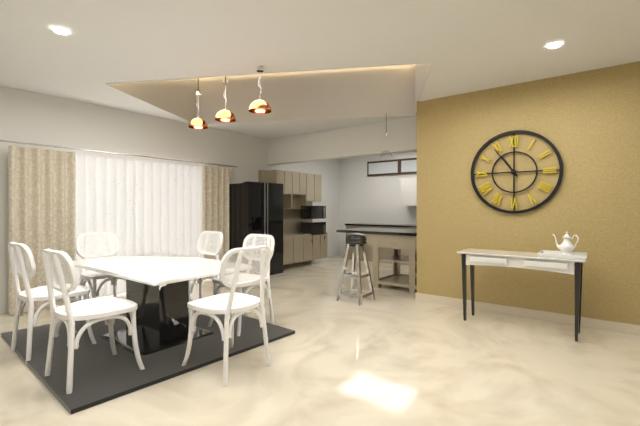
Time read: 10.54
